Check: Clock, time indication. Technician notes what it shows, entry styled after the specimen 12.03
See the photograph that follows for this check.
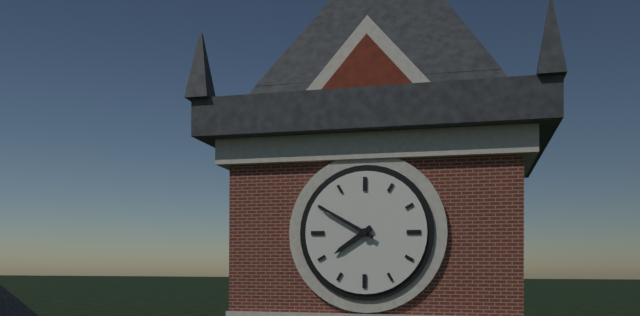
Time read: 7.50
